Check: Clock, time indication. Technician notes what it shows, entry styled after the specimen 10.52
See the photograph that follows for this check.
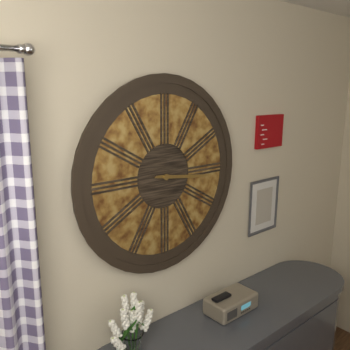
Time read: 3.16
